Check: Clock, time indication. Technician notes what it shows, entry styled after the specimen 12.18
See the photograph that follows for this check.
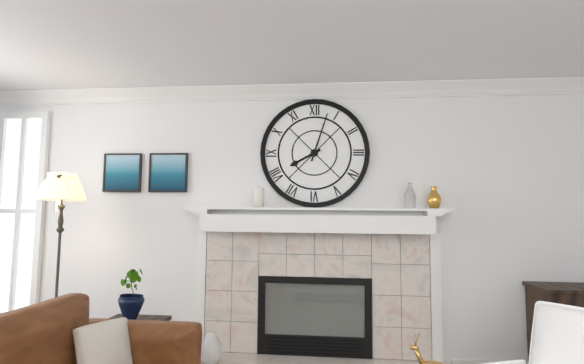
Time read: 8.03
